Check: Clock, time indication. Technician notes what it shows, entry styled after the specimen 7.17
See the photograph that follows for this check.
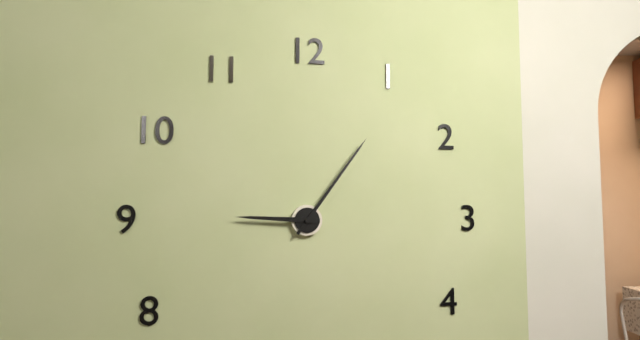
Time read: 9.06
